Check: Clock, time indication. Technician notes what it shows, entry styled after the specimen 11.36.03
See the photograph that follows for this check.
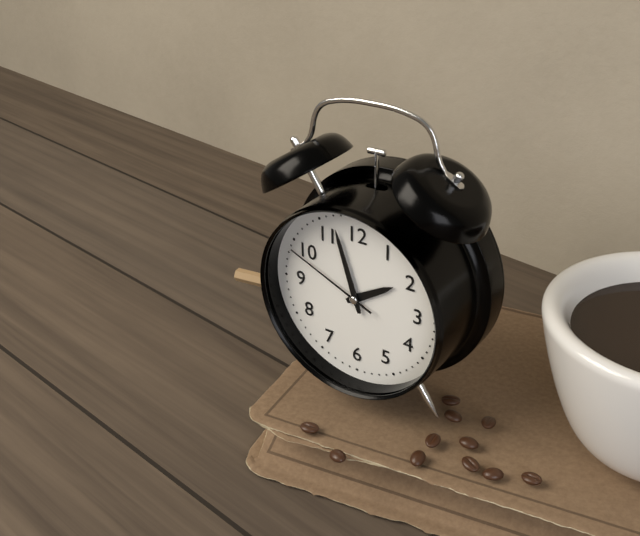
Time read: 1.57.49
